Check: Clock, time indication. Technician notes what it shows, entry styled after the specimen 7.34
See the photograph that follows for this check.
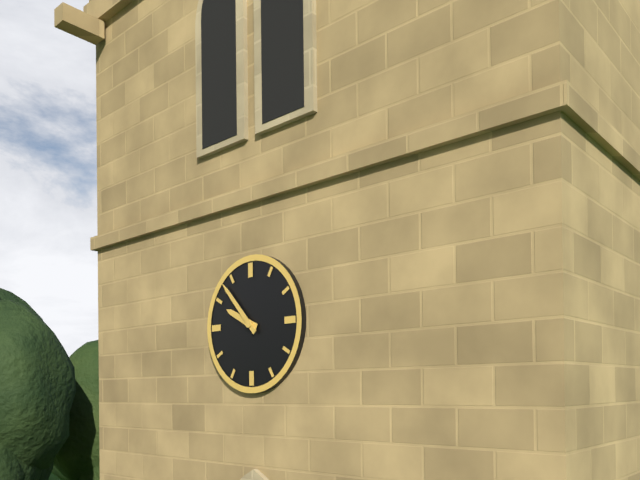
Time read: 9.53
